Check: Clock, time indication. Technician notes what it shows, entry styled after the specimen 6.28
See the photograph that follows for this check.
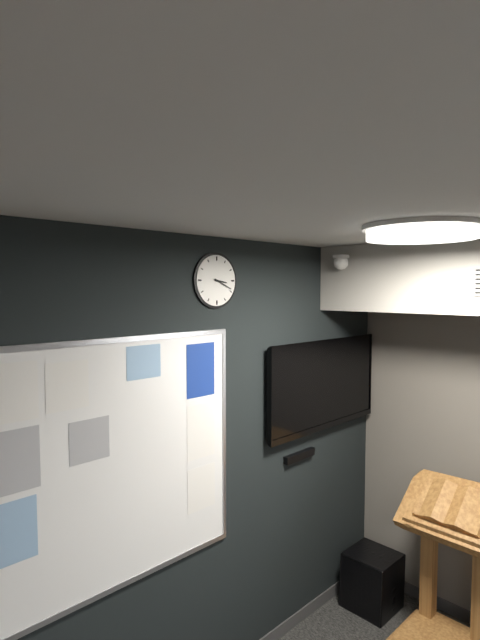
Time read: 3.19
